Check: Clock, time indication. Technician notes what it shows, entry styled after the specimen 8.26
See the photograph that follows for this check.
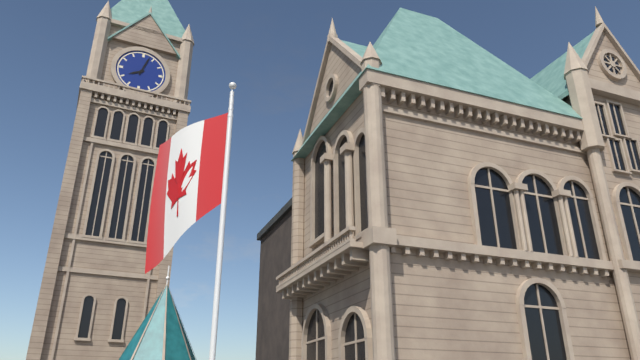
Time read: 8.03
